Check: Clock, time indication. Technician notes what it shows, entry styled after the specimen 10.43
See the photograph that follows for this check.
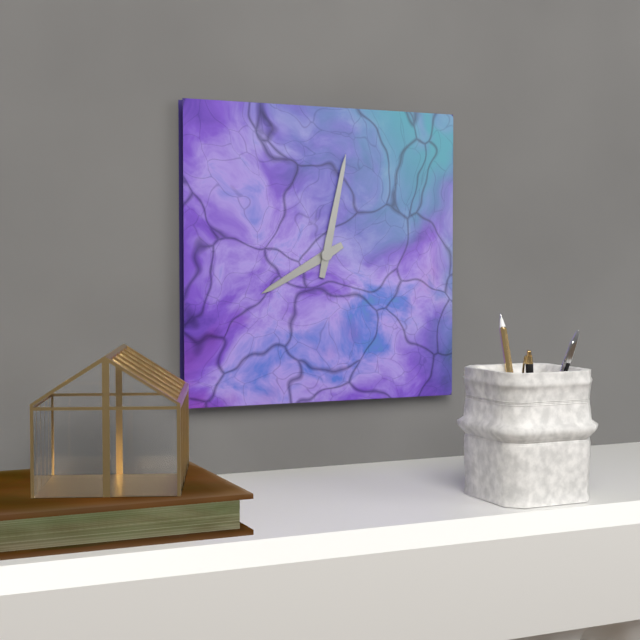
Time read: 8.02
